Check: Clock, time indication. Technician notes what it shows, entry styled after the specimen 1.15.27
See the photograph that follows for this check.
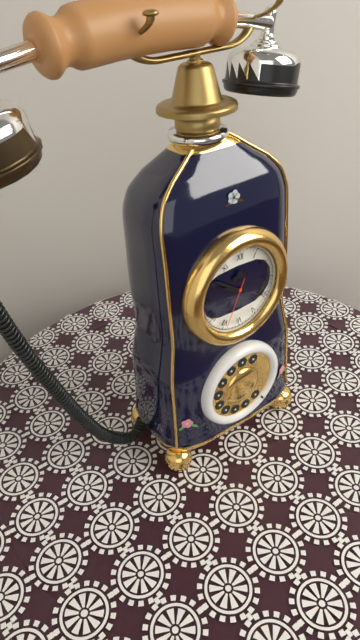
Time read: 9.51.34
